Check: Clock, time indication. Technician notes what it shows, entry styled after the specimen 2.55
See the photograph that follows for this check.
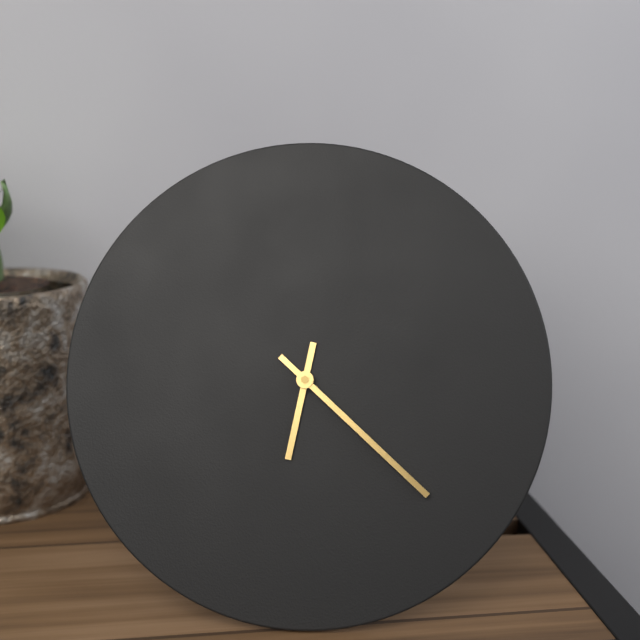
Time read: 6.22
